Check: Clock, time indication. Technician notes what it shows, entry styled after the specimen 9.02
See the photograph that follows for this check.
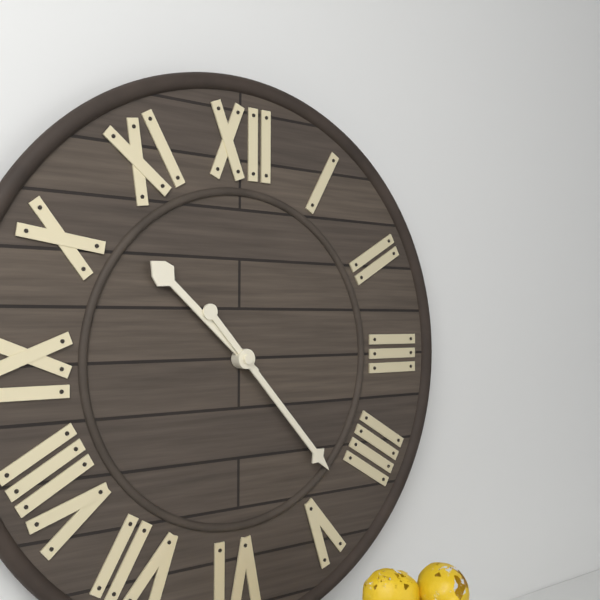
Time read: 10.23
